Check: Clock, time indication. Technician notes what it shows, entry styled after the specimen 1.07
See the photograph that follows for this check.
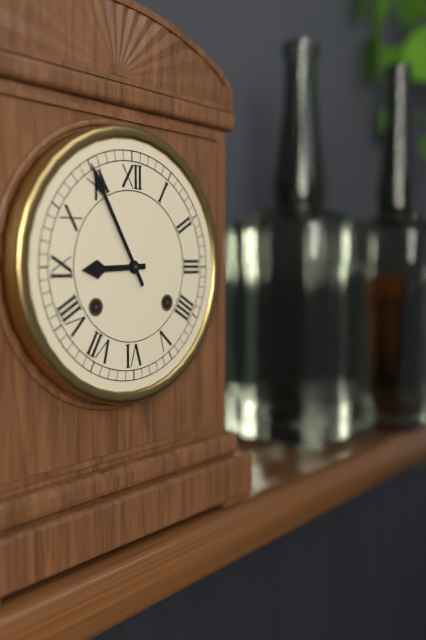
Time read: 8.55
